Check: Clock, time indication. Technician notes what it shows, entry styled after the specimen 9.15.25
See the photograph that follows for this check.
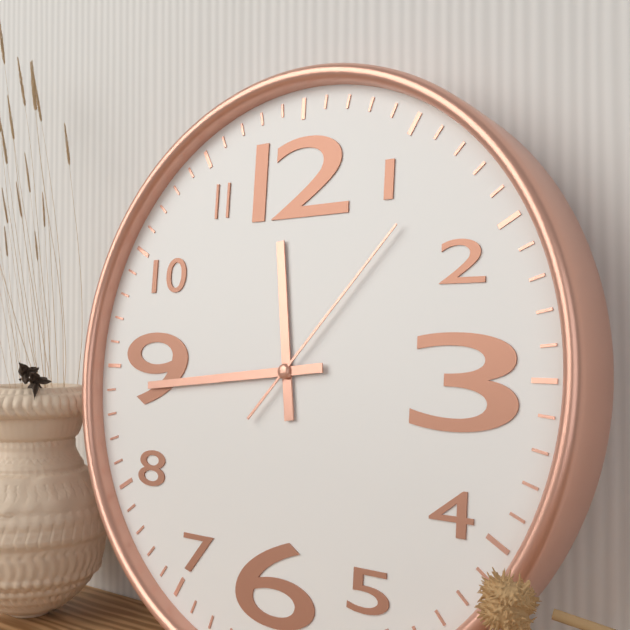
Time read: 11.44.07
